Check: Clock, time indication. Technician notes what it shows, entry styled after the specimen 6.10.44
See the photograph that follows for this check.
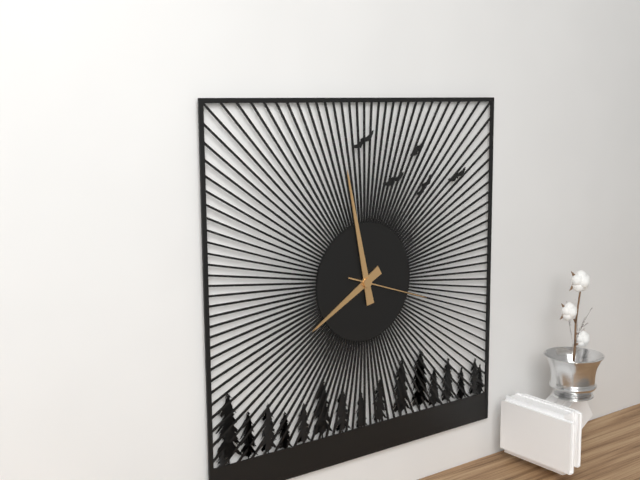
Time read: 7.58.18
